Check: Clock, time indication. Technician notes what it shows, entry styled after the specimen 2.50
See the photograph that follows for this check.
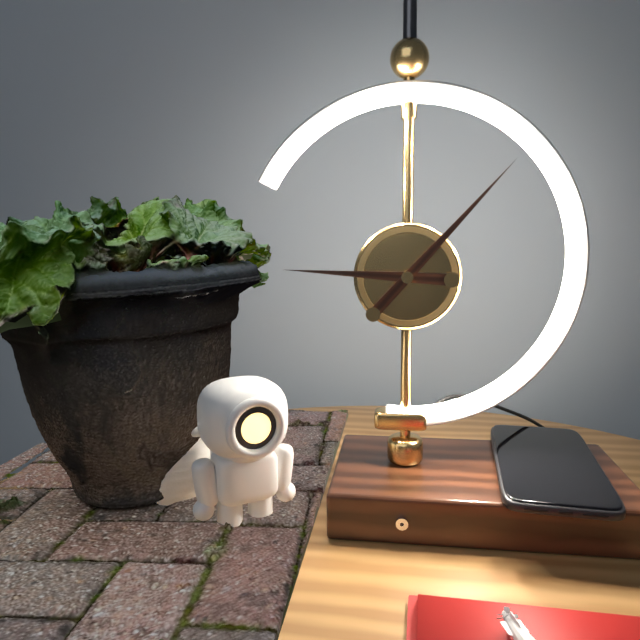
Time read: 9.07
